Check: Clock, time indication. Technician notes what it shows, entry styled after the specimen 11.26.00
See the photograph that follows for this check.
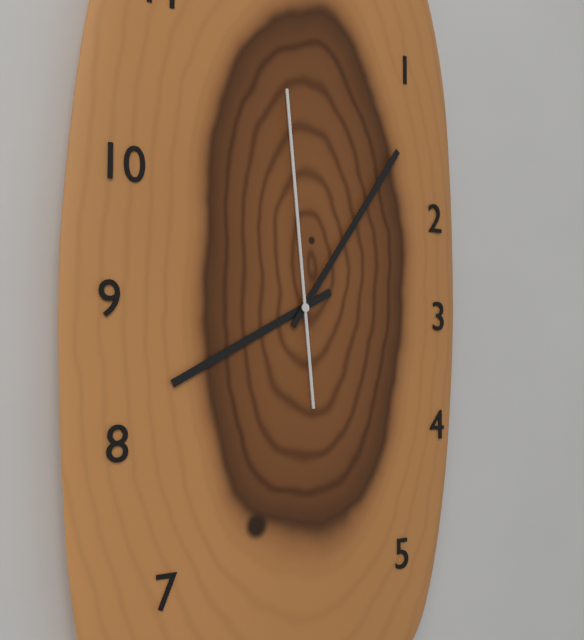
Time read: 8.06.59
